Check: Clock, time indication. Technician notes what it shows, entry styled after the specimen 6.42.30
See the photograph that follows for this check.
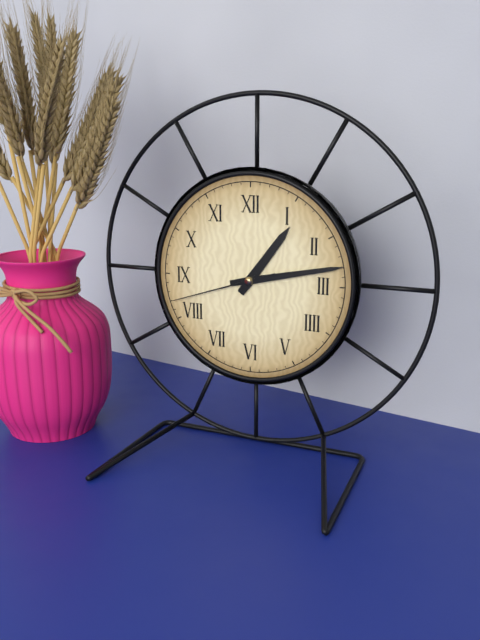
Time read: 1.13.42
